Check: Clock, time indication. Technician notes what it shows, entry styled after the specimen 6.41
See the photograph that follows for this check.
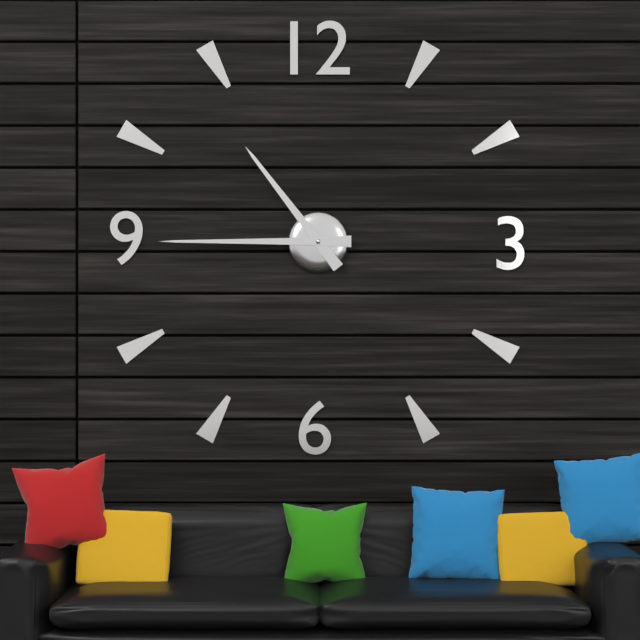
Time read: 10.45
